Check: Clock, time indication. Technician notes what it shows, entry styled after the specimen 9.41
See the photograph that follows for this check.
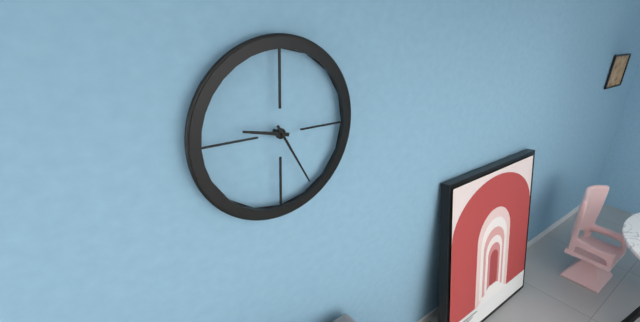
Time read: 9.25
